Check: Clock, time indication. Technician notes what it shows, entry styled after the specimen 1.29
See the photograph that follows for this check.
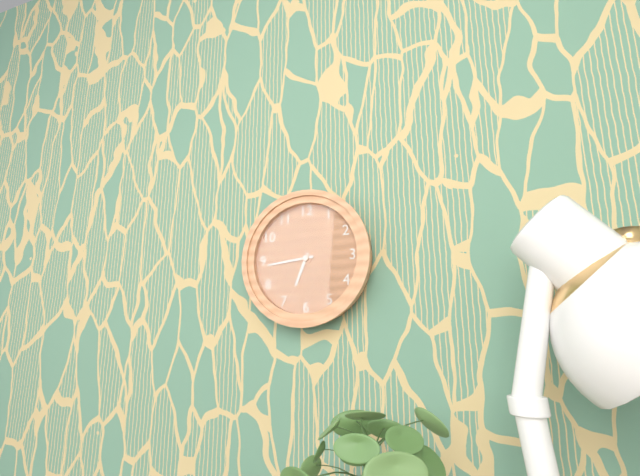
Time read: 6.44
